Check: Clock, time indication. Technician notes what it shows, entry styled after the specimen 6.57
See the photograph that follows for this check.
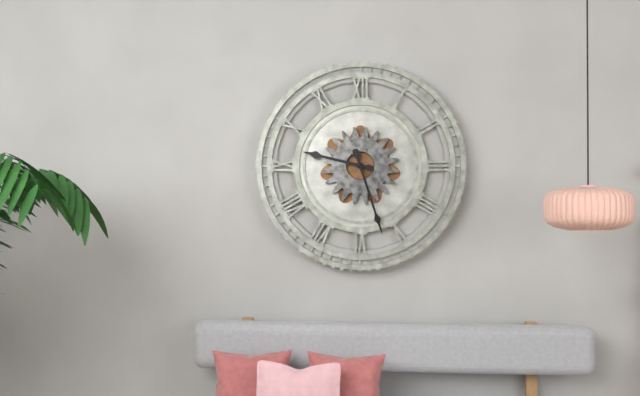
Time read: 9.27
